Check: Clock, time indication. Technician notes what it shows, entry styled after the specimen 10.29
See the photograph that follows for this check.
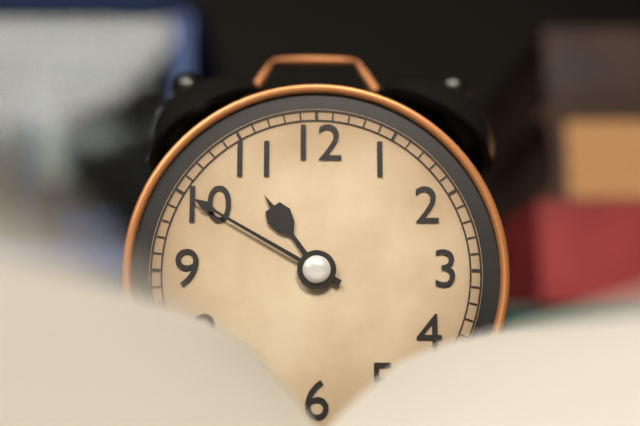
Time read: 10.50
